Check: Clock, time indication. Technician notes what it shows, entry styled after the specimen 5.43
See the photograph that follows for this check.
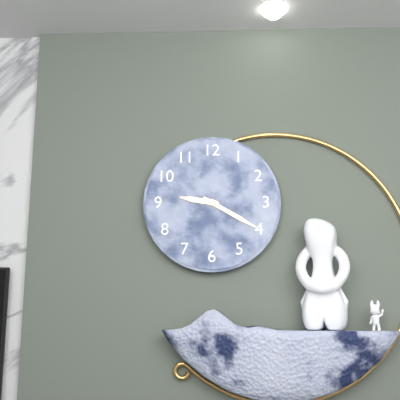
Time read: 9.20
